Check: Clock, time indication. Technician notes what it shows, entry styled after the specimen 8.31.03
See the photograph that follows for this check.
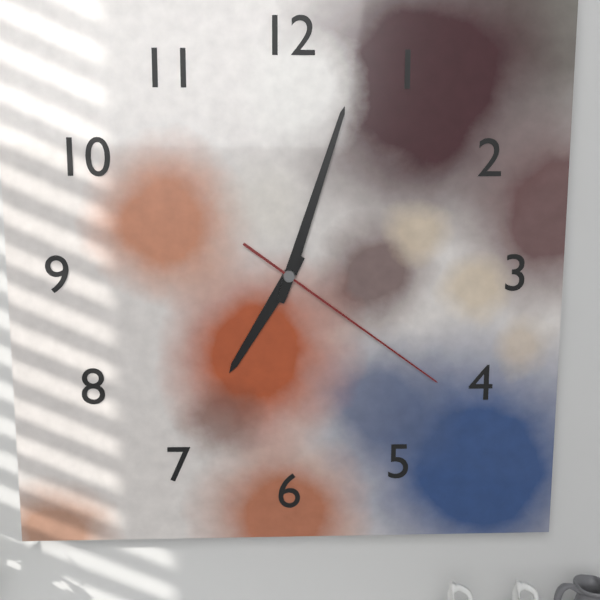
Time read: 7.03.21
